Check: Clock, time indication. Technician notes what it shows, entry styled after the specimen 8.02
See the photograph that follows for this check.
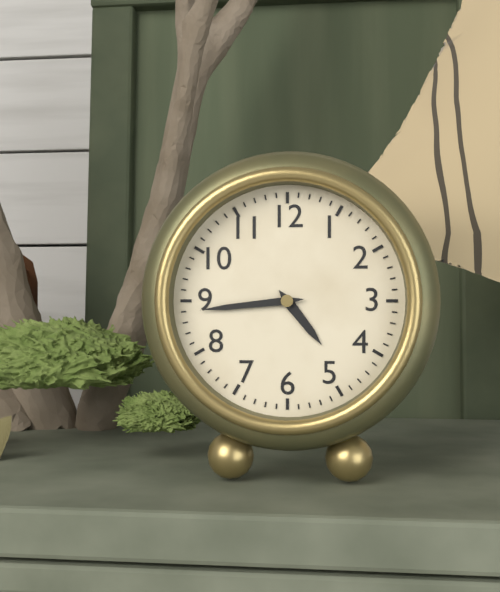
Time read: 4.44
